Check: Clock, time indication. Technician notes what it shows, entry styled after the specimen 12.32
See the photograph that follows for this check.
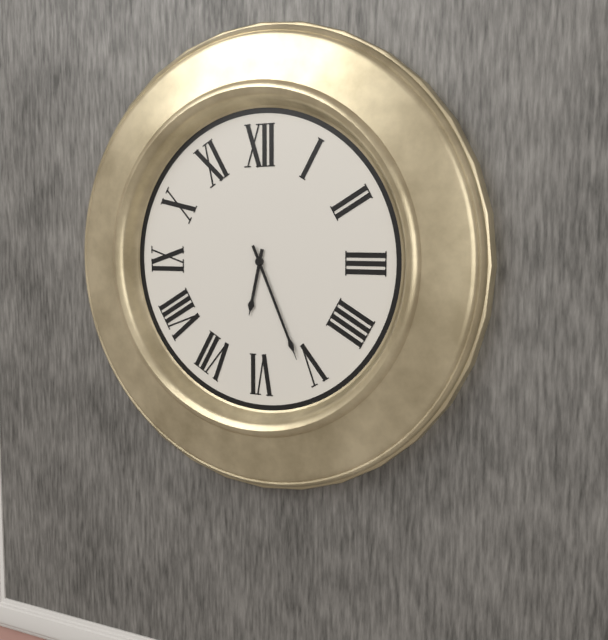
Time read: 6.26
